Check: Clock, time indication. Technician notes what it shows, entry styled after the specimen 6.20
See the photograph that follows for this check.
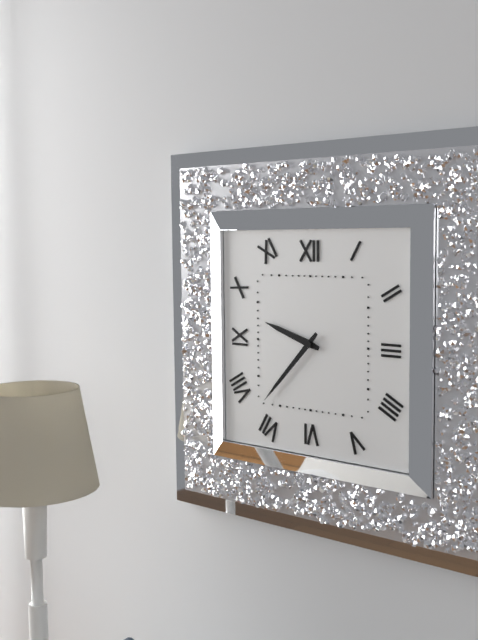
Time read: 9.37
